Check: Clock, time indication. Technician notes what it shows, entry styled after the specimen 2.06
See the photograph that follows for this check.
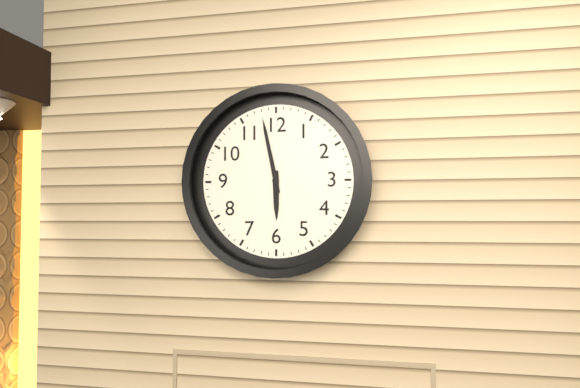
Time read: 5.58
